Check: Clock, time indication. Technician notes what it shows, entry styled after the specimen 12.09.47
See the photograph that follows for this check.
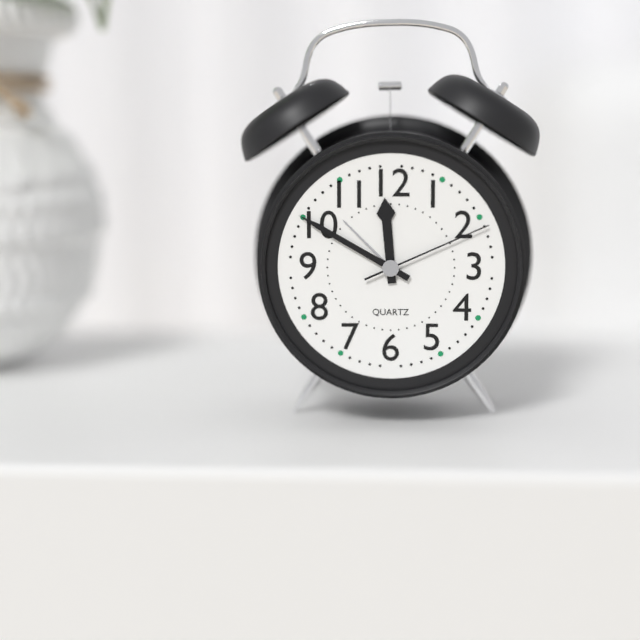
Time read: 11.50.11
